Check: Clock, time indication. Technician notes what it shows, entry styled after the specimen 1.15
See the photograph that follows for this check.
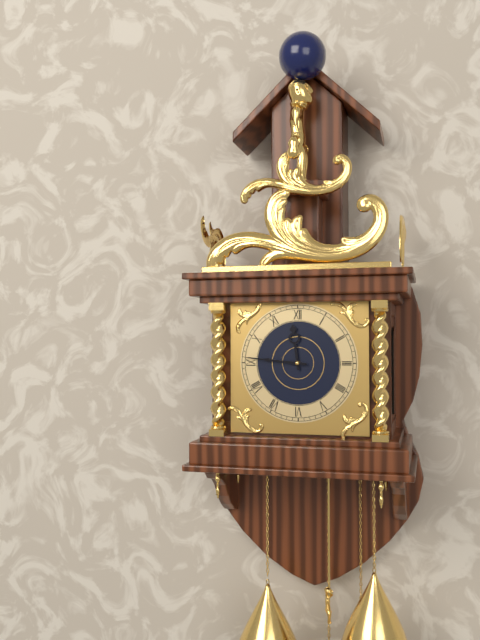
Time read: 11.46
